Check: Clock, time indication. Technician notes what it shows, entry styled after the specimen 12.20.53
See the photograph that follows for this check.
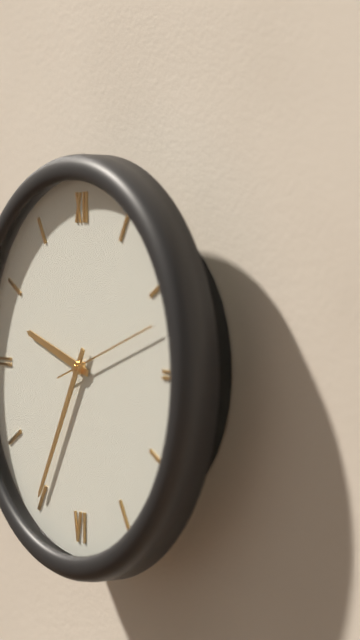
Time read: 9.35.12
